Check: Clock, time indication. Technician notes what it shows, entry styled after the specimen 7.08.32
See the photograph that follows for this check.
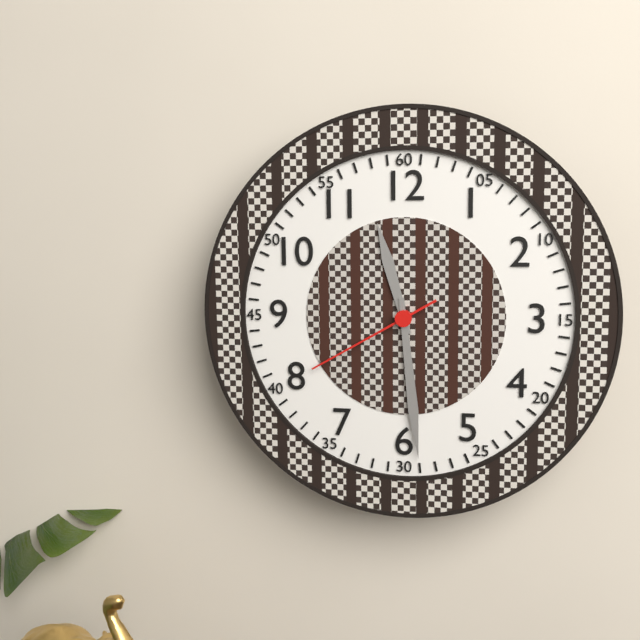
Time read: 11.29.40
